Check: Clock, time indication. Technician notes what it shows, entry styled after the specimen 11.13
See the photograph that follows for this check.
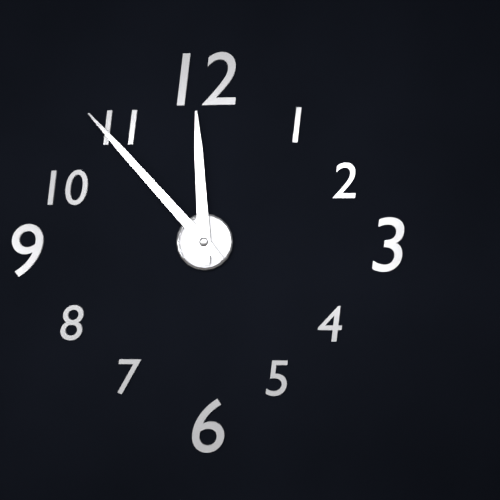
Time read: 11.53
